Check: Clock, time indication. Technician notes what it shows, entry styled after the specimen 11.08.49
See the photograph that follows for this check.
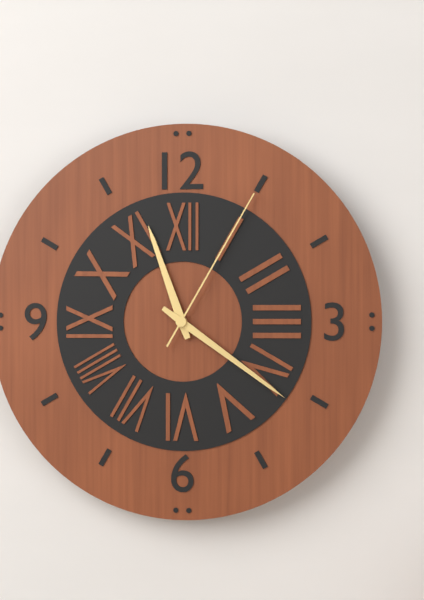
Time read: 11.21.05
